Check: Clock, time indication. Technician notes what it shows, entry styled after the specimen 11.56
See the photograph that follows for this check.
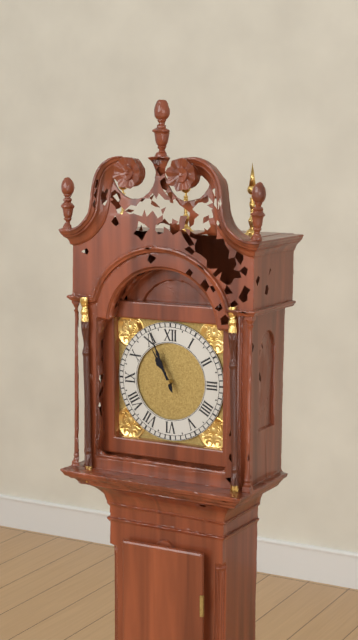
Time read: 10.56
